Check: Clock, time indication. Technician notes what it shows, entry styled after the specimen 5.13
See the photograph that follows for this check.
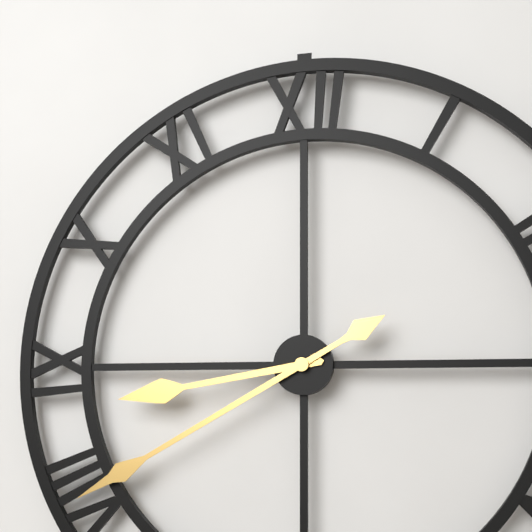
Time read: 8.40
